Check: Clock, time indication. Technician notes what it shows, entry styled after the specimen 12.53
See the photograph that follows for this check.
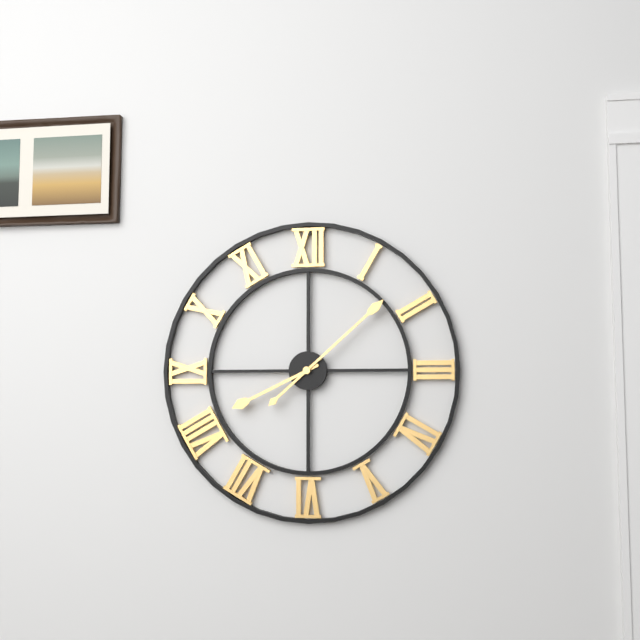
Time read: 8.08
